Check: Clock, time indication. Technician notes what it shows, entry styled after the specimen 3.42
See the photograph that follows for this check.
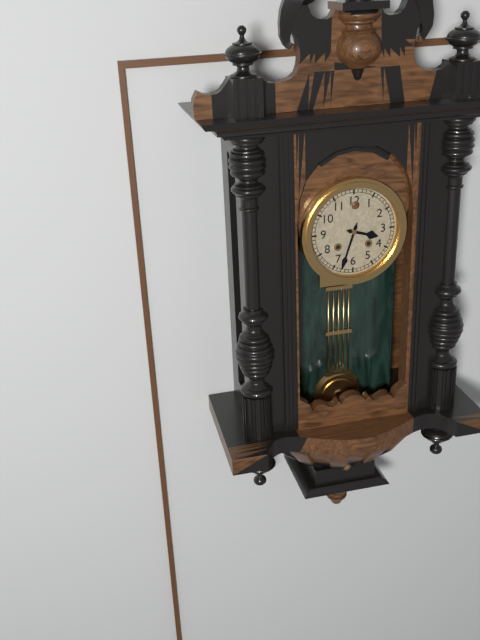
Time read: 3.33
